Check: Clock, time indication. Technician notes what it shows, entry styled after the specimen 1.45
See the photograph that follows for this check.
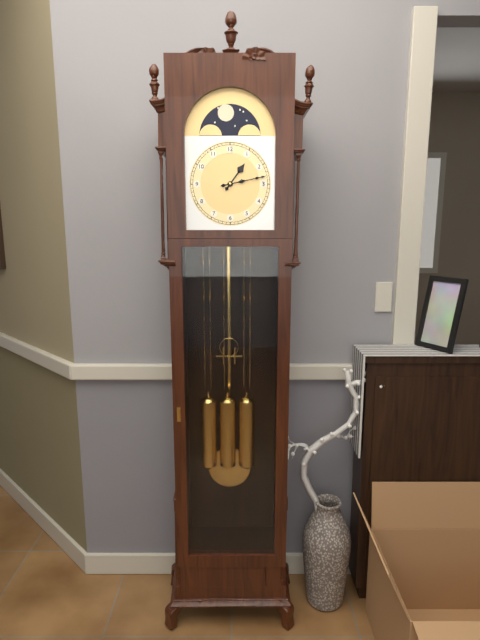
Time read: 1.13
